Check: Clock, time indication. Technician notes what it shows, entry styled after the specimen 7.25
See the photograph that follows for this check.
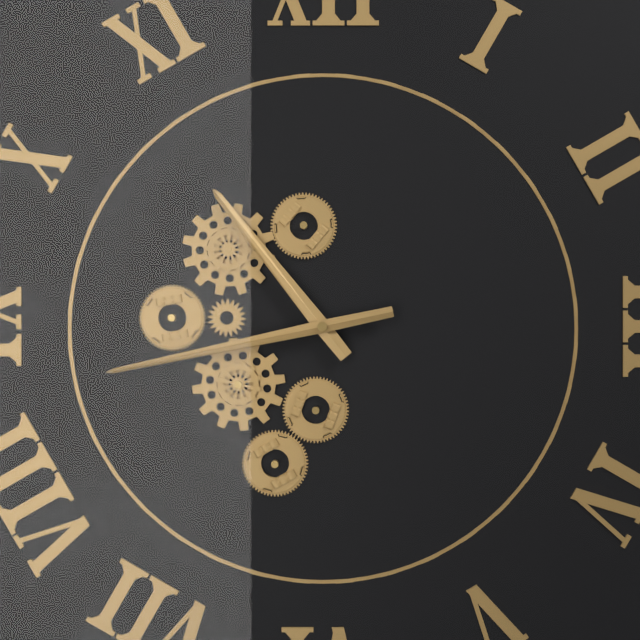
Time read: 10.43
